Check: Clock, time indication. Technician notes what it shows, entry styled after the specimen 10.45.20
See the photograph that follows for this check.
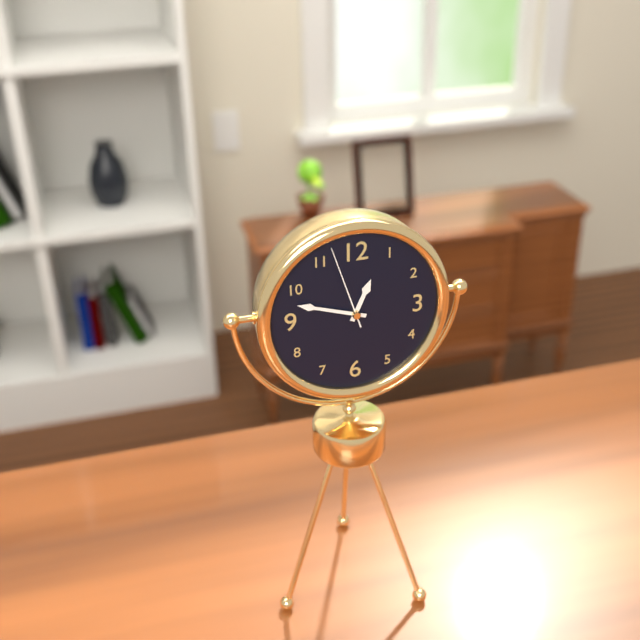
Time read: 12.48.57
